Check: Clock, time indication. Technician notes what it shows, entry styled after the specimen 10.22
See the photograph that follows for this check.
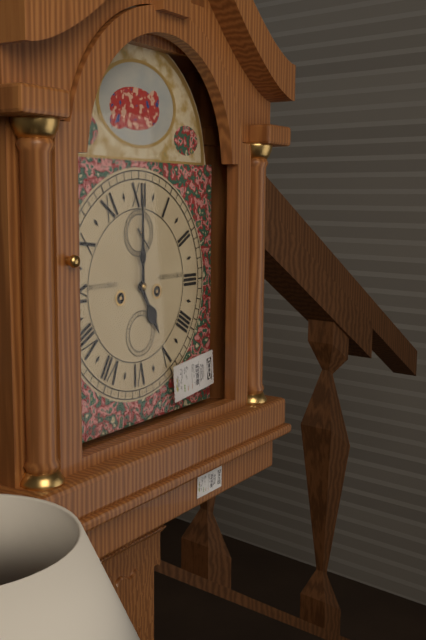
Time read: 5.00
